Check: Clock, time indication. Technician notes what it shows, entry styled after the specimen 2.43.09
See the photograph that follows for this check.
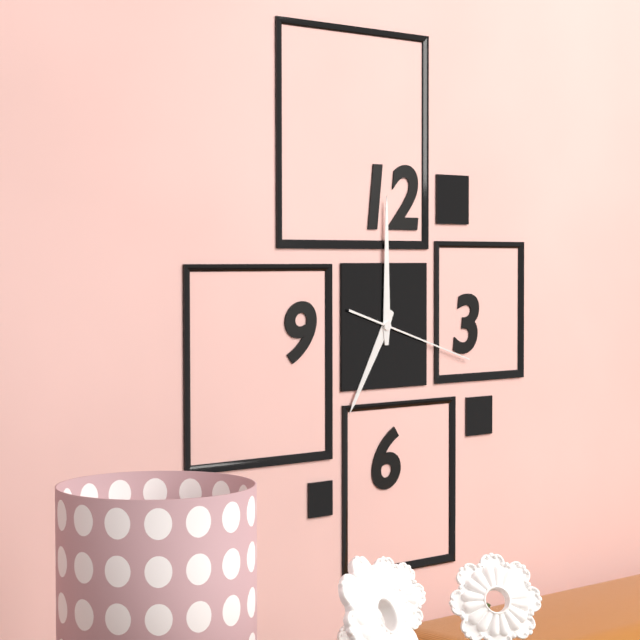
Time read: 7.00.18
